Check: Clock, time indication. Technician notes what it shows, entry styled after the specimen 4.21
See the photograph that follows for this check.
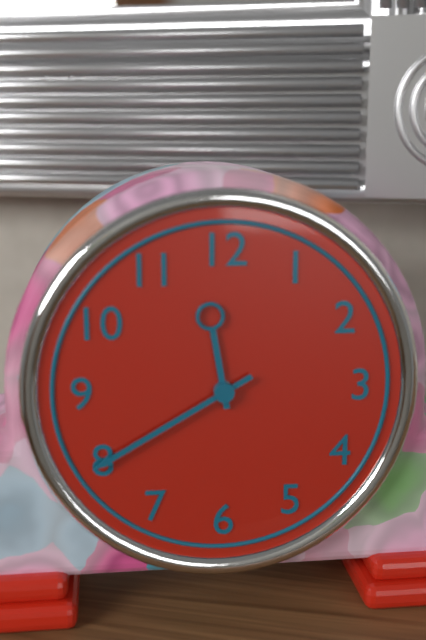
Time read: 11.40
